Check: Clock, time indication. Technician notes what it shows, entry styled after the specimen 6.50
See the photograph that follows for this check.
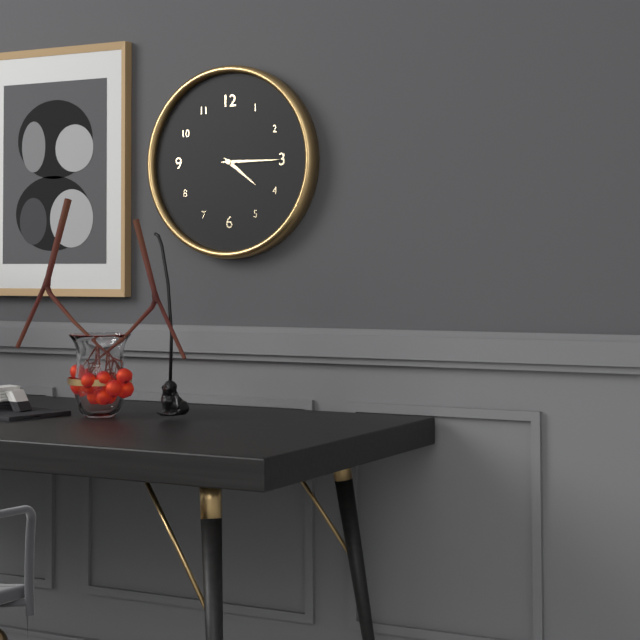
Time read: 4.15
